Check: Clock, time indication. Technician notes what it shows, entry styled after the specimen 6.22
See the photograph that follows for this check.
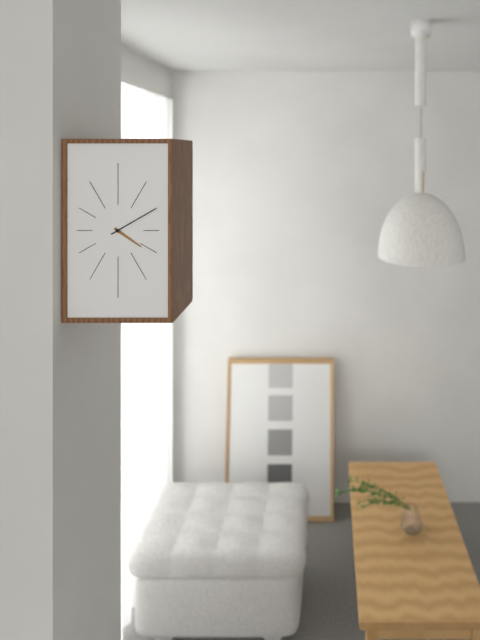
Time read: 4.10
